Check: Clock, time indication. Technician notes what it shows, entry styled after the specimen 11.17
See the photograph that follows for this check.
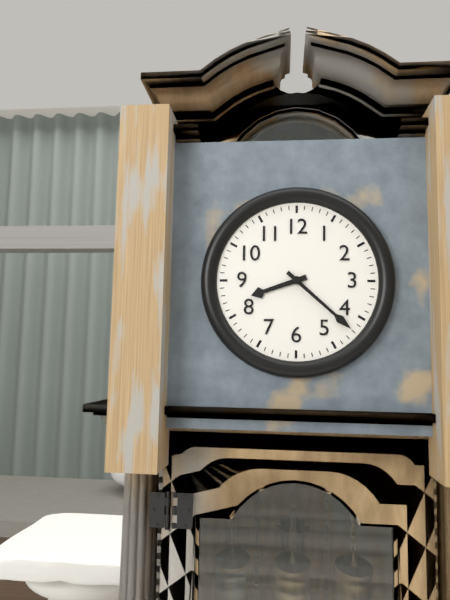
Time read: 8.22
